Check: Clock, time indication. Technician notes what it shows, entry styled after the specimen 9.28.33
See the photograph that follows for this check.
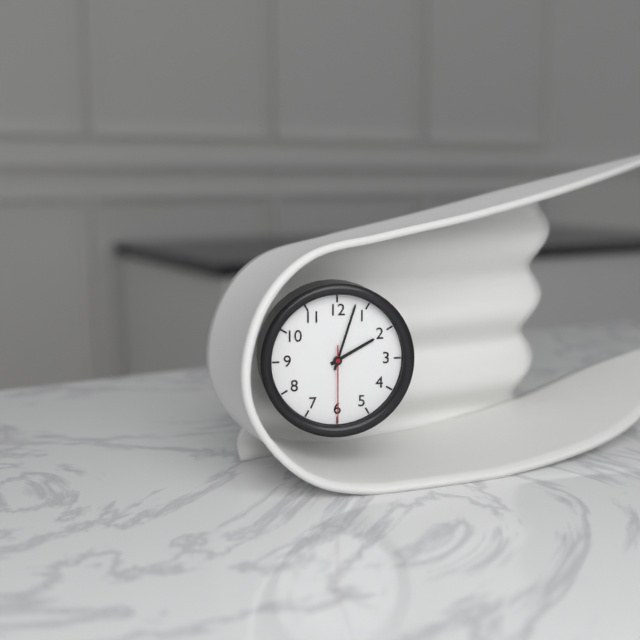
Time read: 2.03.30
